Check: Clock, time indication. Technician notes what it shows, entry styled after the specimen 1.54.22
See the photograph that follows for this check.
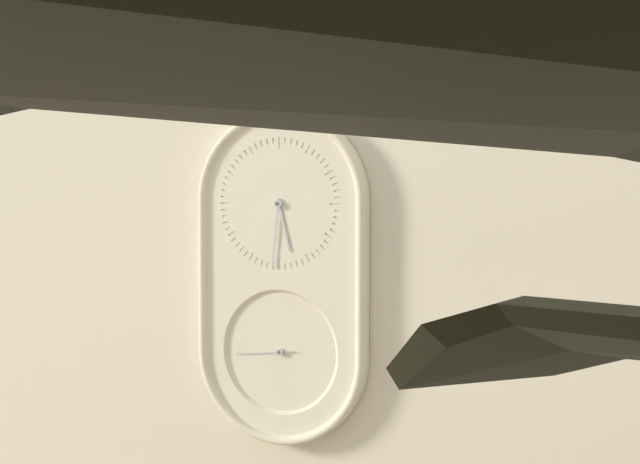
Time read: 5.31.44
